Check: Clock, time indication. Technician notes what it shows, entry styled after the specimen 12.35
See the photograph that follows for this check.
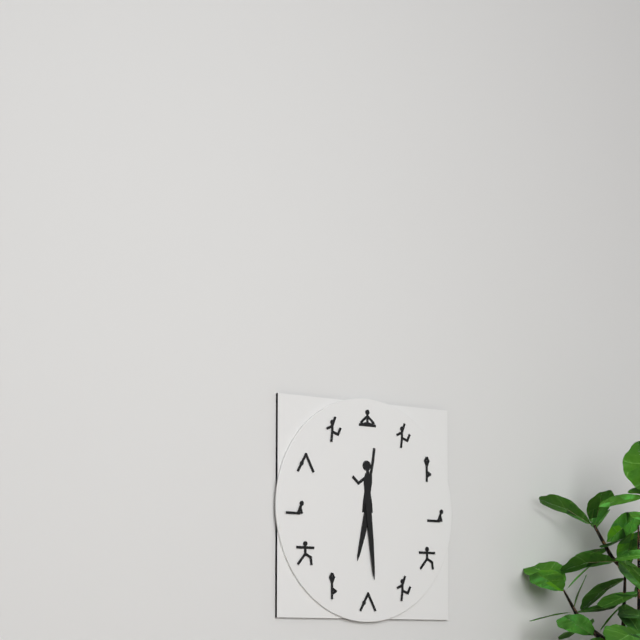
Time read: 6.29
